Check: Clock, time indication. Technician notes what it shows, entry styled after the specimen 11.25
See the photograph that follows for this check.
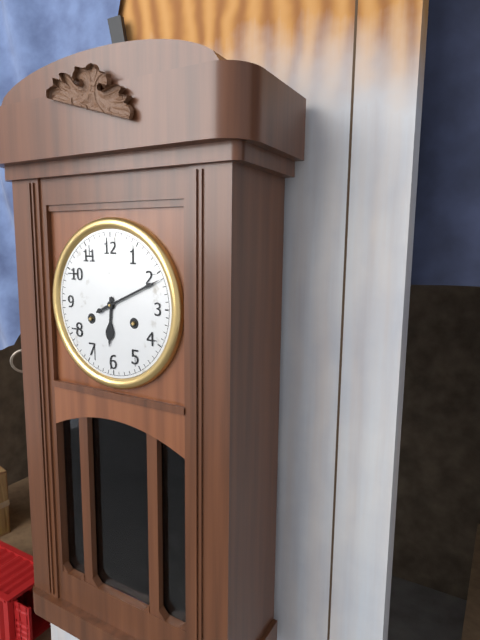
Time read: 6.11
